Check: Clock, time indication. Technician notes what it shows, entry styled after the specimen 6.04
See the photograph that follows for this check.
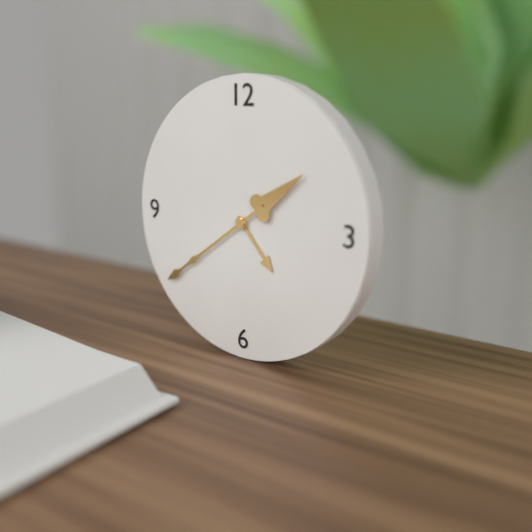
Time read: 4.39
